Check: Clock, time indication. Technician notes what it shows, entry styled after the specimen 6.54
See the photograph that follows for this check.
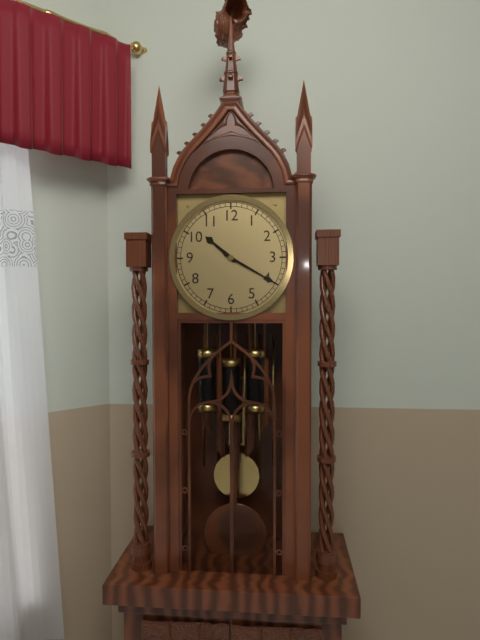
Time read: 10.20
